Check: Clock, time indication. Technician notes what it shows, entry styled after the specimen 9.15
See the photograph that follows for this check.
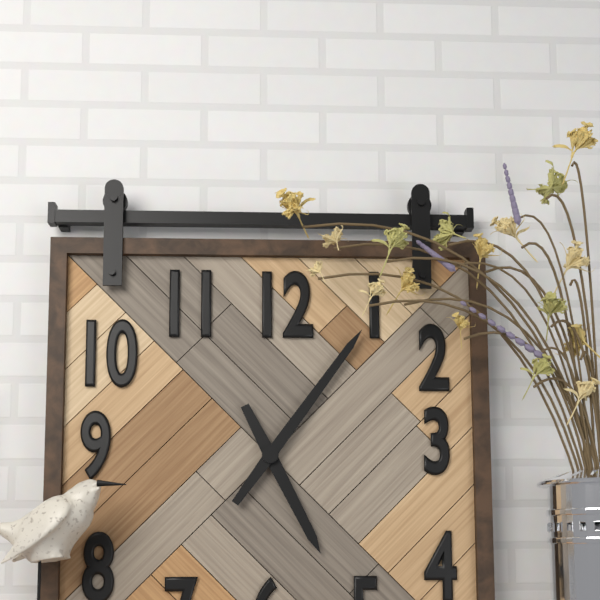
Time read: 5.06
